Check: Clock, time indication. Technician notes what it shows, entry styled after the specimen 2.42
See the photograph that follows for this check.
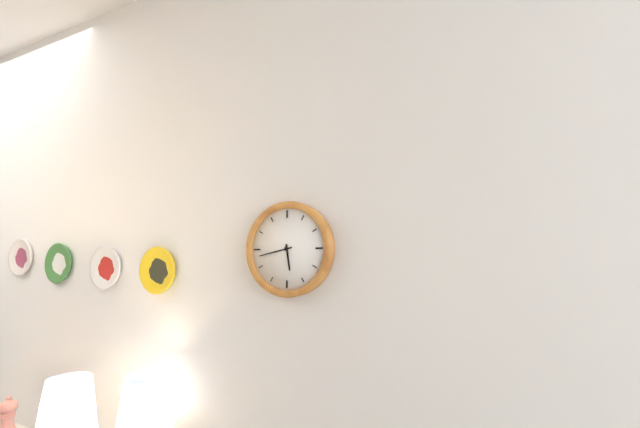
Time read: 5.43
